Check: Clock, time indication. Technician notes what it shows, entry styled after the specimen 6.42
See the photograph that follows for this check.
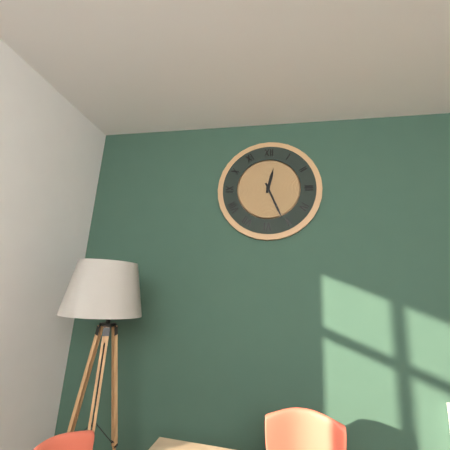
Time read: 12.26
